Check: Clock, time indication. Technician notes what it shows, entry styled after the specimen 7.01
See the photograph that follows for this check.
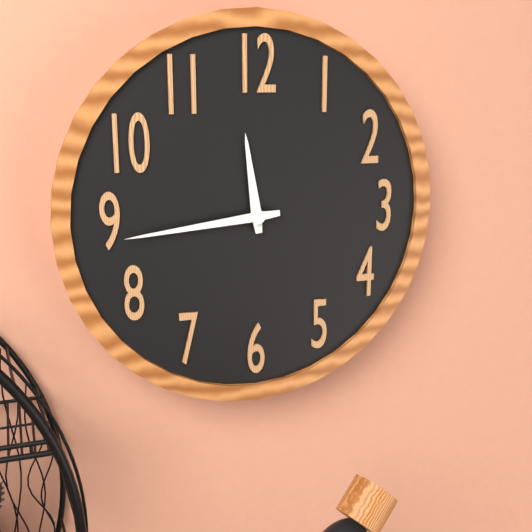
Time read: 11.44
